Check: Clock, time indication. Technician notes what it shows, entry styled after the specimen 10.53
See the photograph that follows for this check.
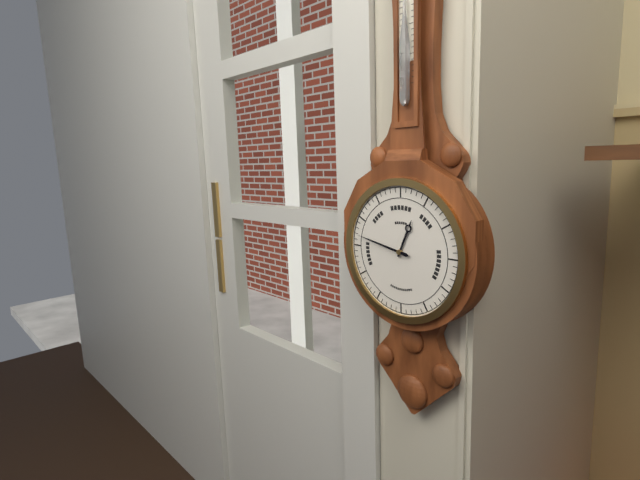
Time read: 12.47
